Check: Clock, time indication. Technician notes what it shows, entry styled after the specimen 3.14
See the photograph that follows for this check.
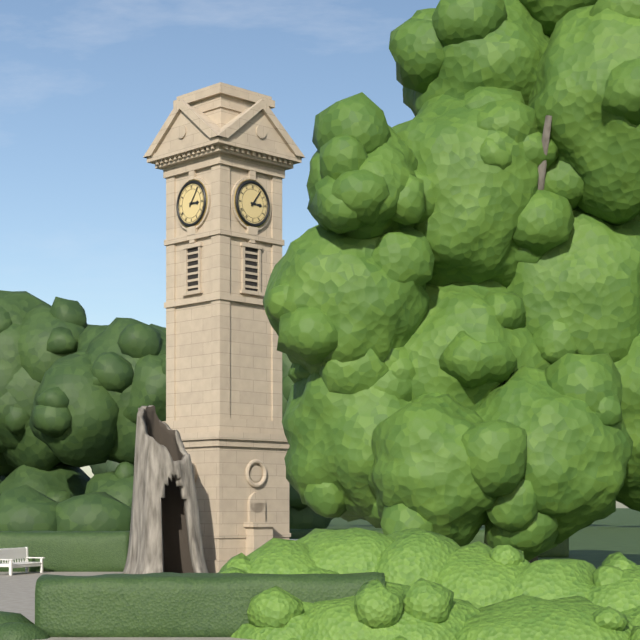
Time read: 3.06
